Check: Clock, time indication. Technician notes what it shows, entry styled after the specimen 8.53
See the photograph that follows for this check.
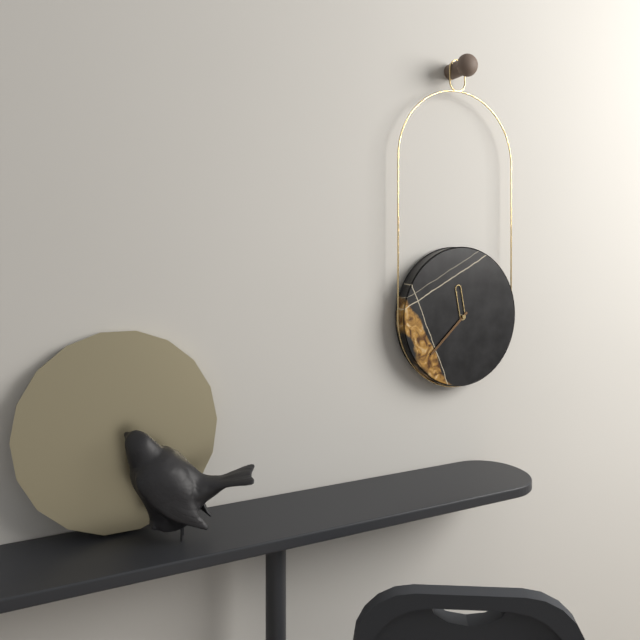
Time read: 11.38
